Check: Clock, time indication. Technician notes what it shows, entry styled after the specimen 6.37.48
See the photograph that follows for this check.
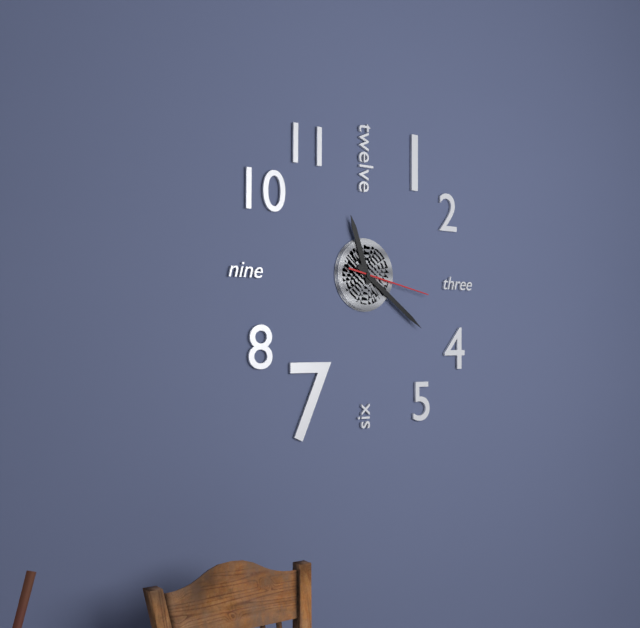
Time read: 11.21.17
